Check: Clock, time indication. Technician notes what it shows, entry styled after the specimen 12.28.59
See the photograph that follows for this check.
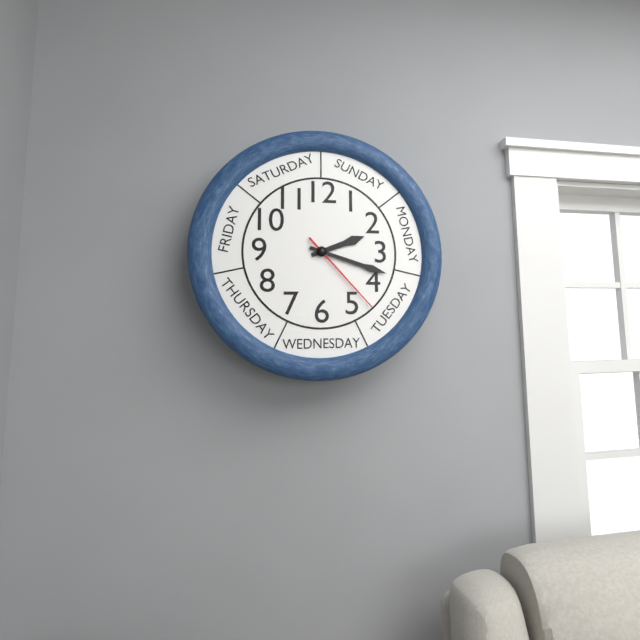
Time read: 2.18.23
